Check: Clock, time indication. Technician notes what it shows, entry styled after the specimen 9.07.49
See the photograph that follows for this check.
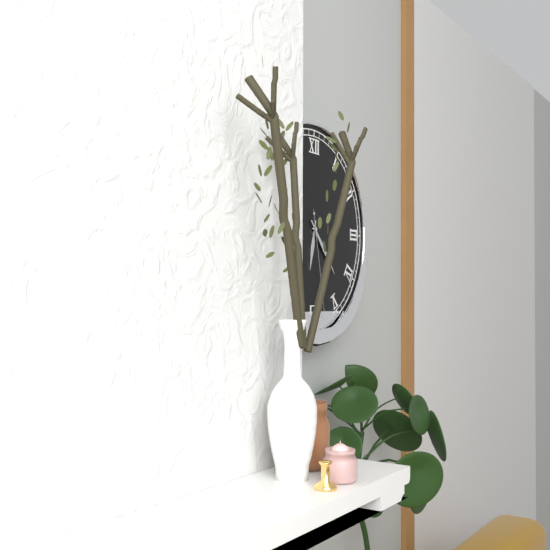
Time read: 6.23.28
